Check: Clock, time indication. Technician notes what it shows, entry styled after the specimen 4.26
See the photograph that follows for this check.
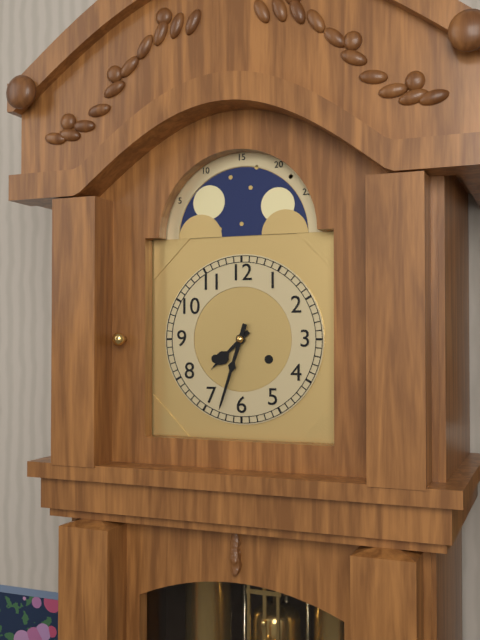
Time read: 7.33
